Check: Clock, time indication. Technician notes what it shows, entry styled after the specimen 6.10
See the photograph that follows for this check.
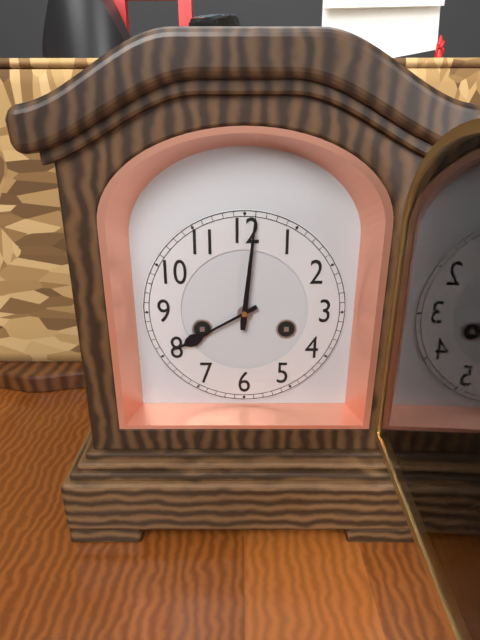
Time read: 8.01
